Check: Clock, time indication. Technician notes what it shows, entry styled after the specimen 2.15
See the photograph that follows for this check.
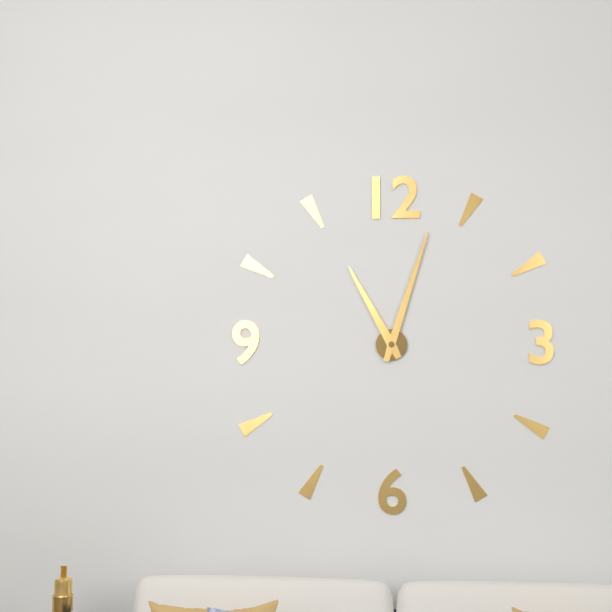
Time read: 11.03
